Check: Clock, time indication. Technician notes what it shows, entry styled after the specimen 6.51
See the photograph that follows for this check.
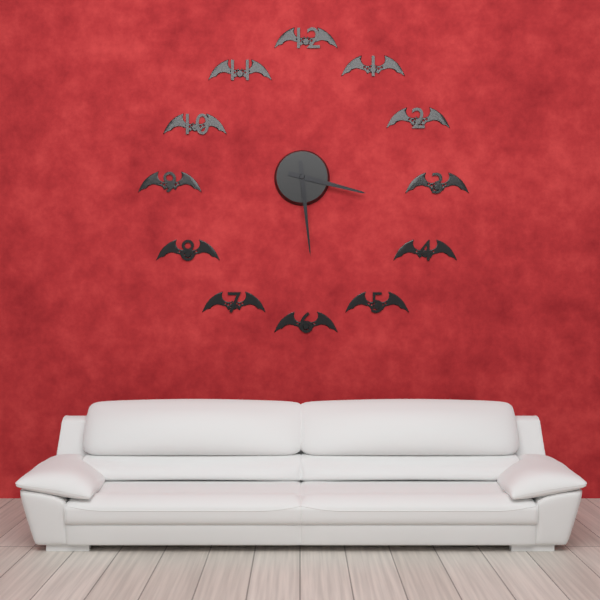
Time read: 3.29
